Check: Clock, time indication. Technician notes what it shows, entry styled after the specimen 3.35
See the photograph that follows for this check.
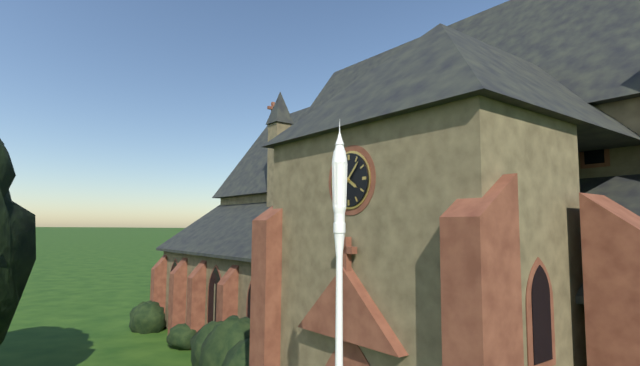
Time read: 4.07
